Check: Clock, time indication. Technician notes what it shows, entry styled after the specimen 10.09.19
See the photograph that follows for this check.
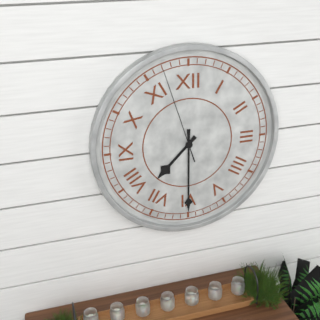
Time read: 7.30.57
